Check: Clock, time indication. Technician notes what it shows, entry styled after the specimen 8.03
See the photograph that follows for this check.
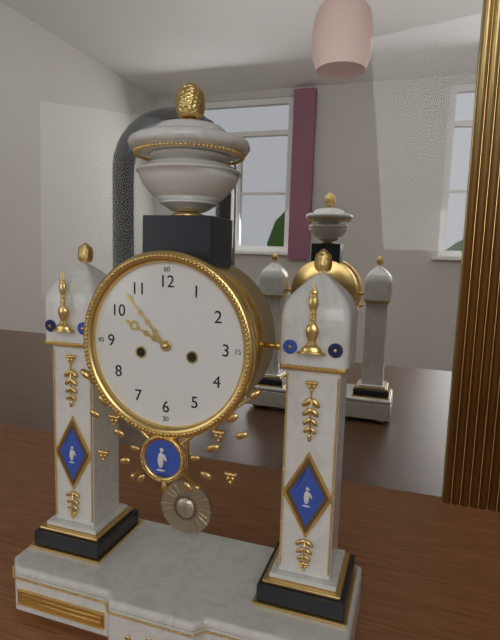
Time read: 9.53
